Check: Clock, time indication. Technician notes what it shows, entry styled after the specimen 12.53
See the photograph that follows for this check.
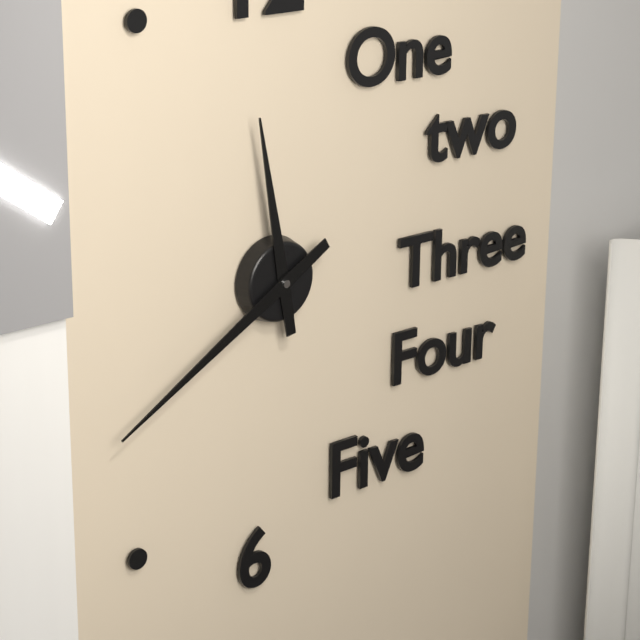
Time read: 11.40
